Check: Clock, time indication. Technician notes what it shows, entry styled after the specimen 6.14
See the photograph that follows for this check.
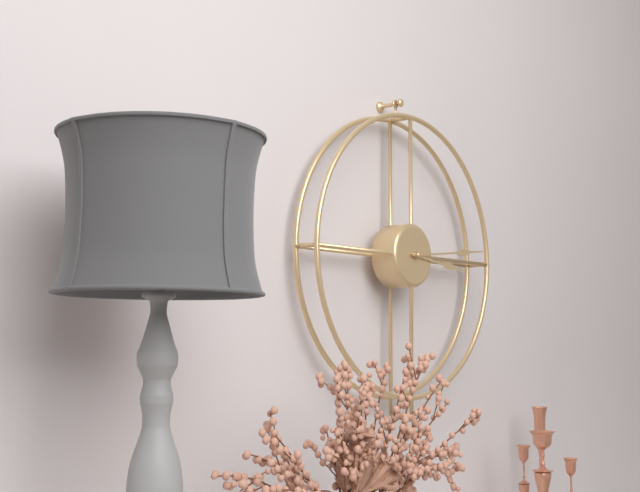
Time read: 3.14
